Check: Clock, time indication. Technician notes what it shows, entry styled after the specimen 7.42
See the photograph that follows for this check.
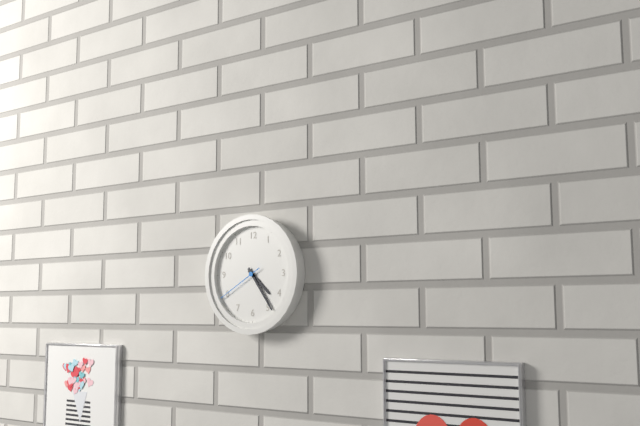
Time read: 4.24
